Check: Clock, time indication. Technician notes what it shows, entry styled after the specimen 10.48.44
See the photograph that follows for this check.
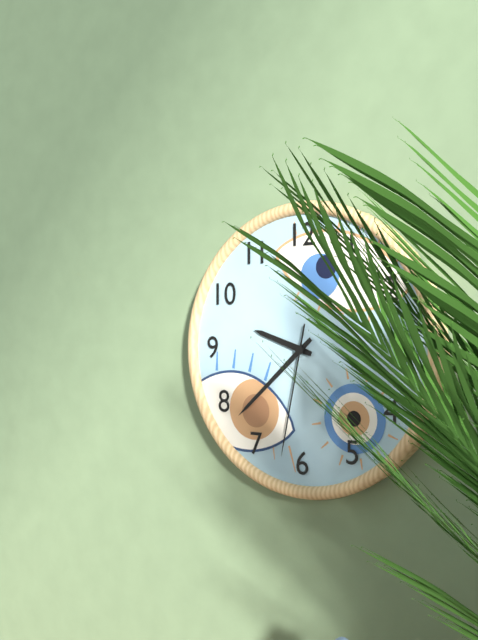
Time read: 9.38.32
